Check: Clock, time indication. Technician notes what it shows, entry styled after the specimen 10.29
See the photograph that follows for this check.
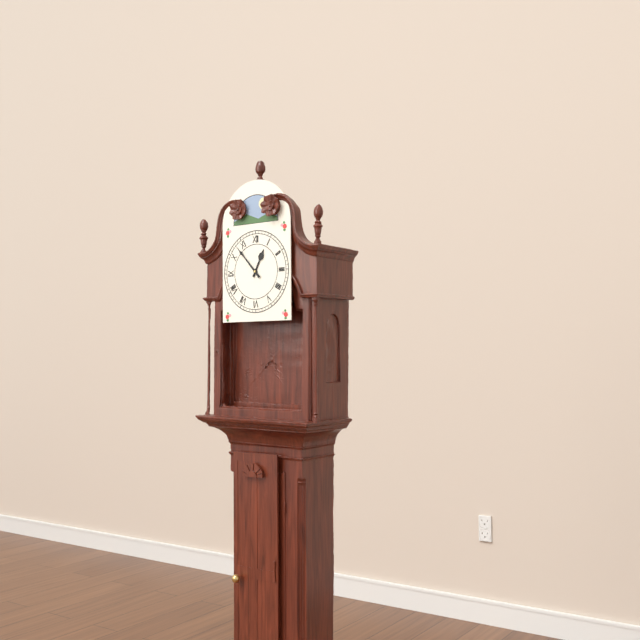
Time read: 12.53
